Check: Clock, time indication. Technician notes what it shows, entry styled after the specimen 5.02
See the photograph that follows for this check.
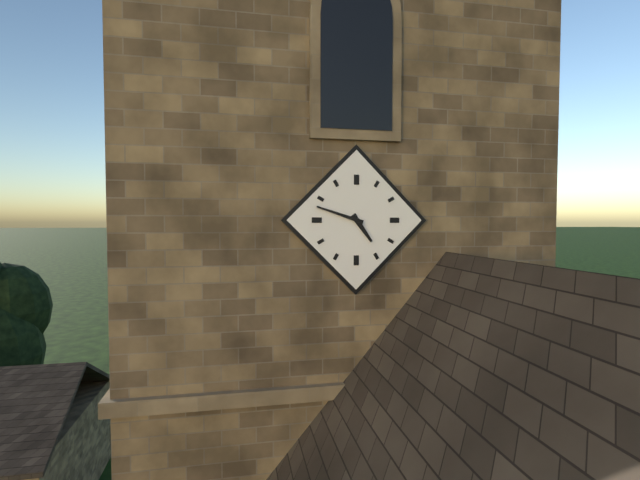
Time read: 4.48
